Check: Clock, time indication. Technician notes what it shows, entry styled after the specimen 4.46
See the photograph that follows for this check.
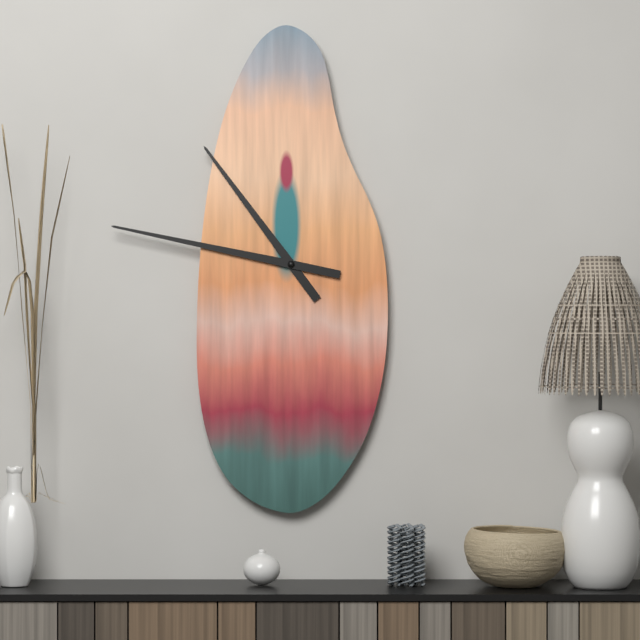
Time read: 10.47
